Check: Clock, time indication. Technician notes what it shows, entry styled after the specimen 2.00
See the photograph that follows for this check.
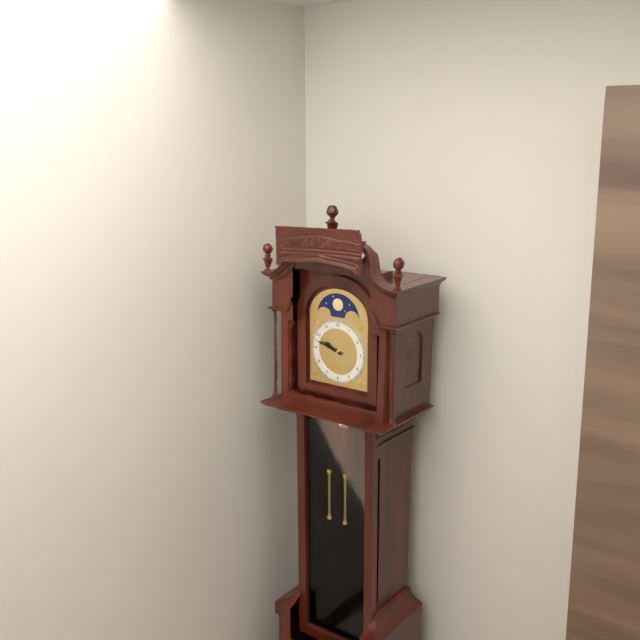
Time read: 9.48
